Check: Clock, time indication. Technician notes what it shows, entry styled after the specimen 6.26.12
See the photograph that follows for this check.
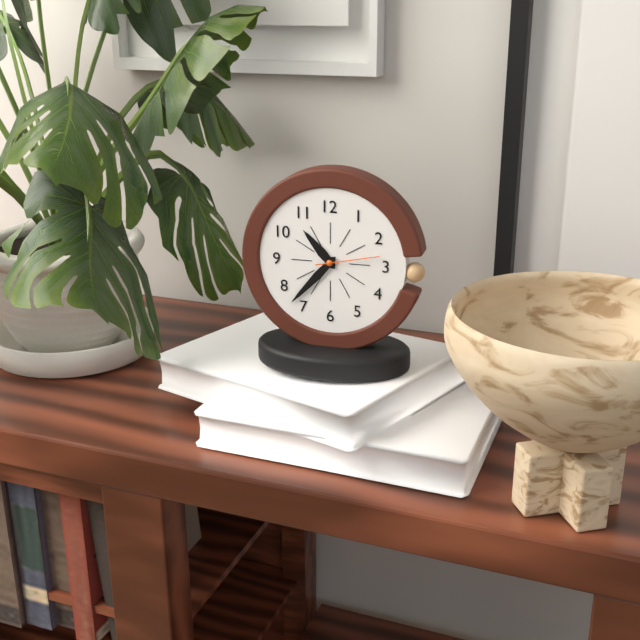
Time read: 10.37.13
